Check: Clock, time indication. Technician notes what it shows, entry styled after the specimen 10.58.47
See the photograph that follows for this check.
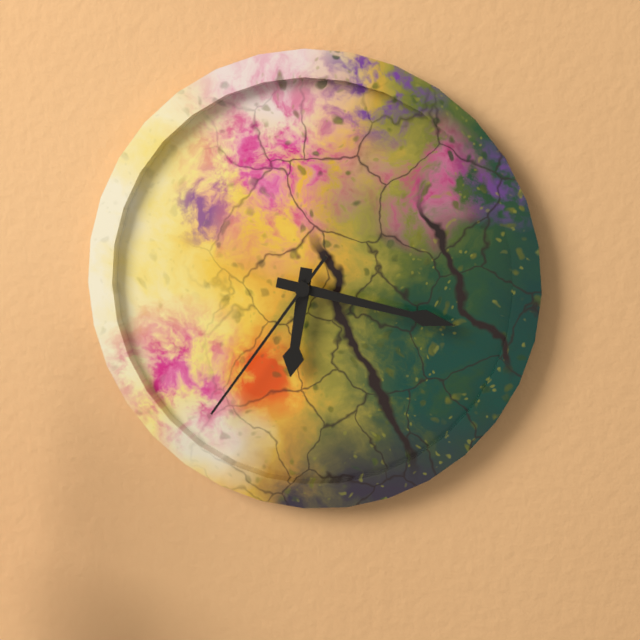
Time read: 6.17.36
